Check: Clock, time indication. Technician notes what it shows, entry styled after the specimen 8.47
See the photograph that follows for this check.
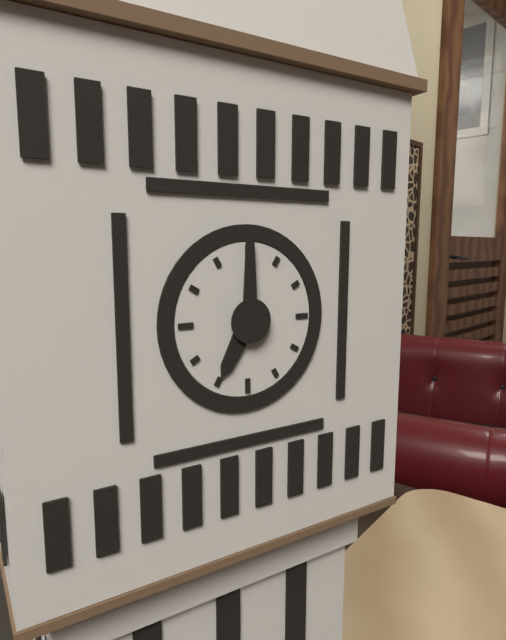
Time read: 7.00
